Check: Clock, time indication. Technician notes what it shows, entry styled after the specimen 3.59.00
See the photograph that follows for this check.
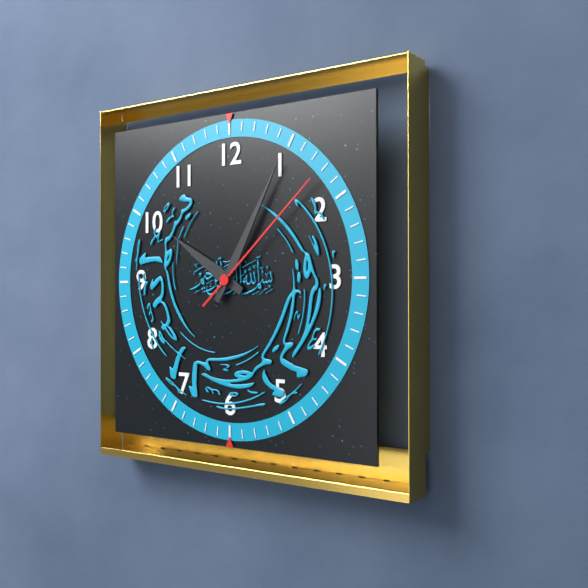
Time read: 10.05.08
